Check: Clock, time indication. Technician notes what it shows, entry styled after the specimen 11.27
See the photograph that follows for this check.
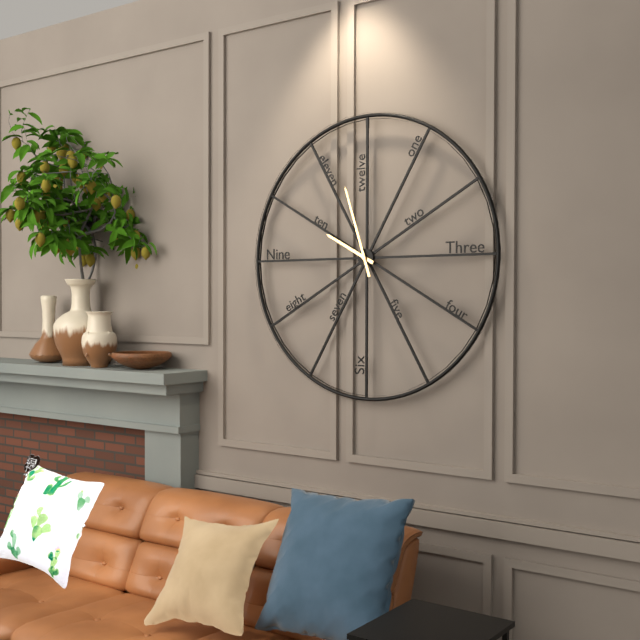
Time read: 9.57
